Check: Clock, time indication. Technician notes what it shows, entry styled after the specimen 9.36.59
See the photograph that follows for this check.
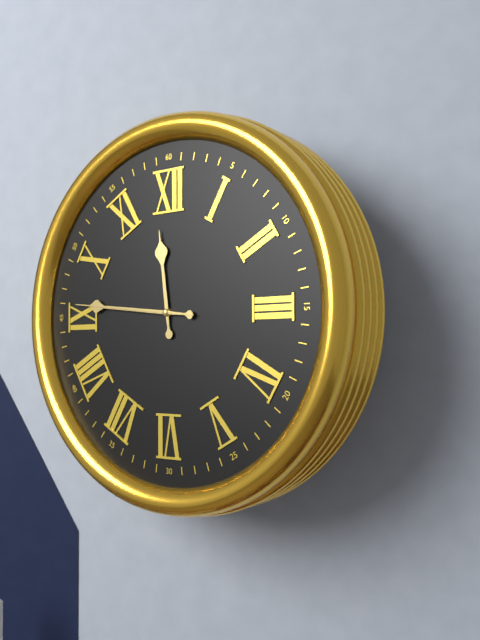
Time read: 11.46.46
